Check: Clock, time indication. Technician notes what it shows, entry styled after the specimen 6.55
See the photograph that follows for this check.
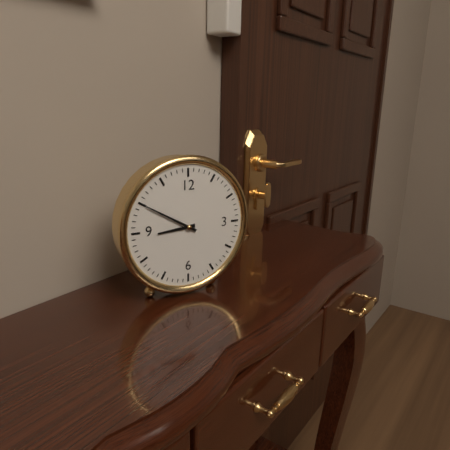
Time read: 8.50
